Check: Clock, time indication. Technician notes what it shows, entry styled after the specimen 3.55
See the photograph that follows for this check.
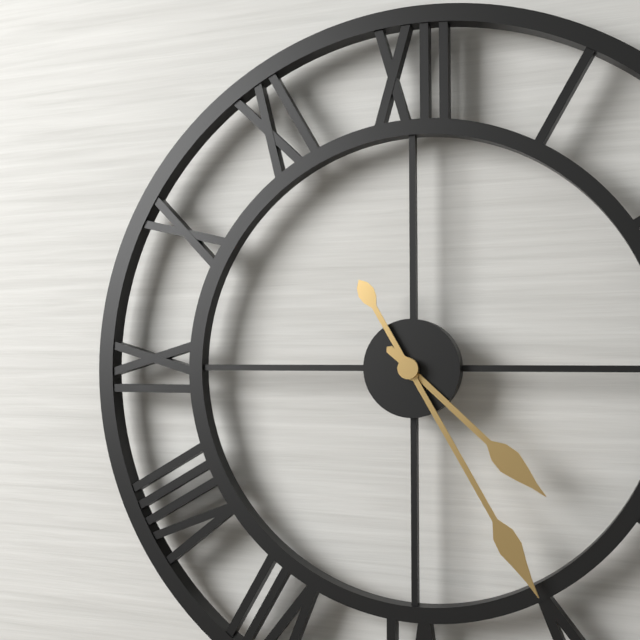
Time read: 4.25
